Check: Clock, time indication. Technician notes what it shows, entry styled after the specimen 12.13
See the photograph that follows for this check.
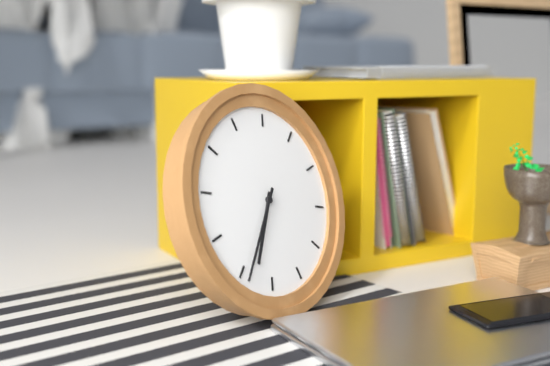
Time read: 6.34
